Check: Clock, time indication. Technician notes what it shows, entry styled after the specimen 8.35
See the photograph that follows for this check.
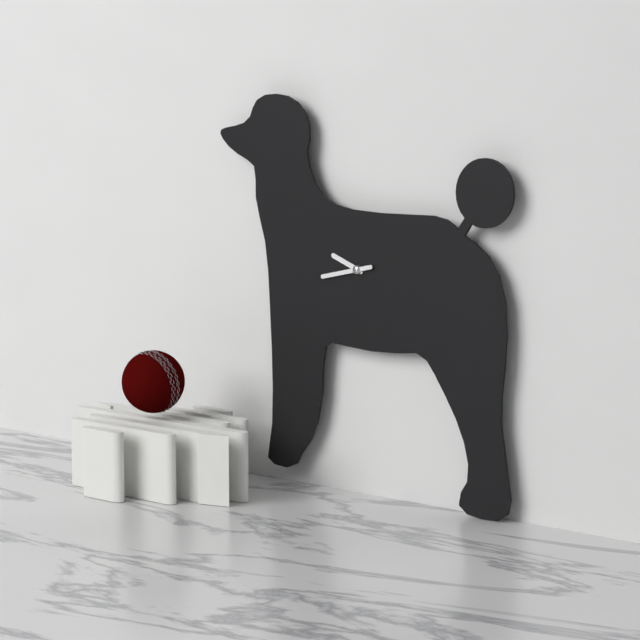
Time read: 9.43
